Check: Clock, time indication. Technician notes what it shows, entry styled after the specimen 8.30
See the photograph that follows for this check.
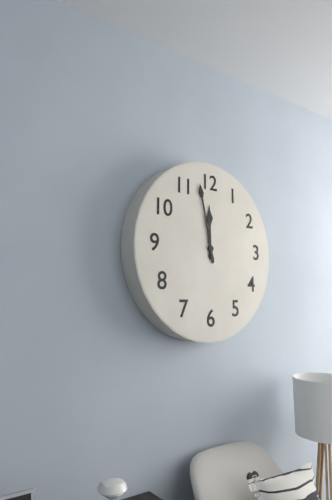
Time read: 11.58
